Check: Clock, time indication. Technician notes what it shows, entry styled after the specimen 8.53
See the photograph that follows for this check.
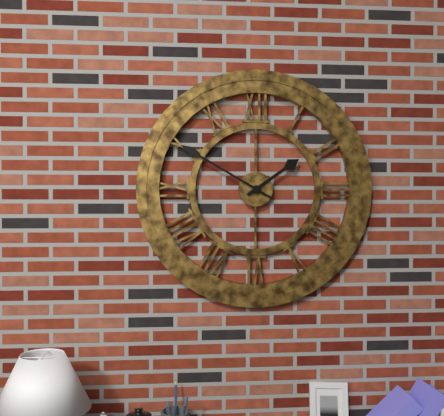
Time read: 1.50
